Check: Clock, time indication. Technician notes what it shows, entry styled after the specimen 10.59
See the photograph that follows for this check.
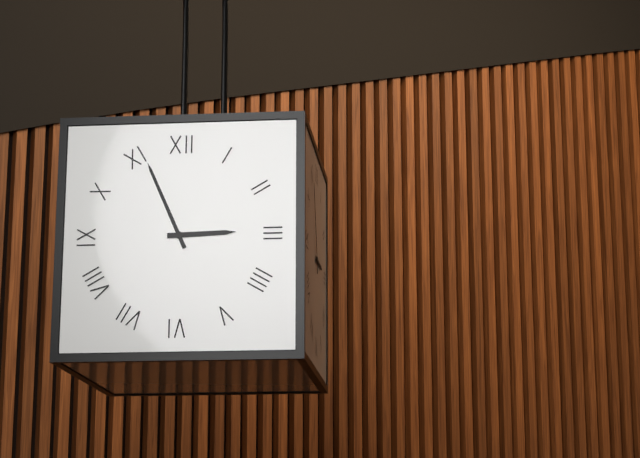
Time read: 2.56
